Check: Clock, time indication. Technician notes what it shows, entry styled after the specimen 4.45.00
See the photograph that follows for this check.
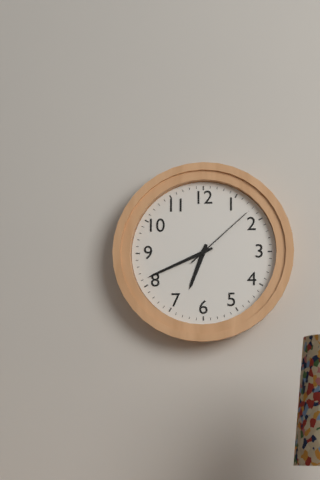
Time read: 6.41.08
